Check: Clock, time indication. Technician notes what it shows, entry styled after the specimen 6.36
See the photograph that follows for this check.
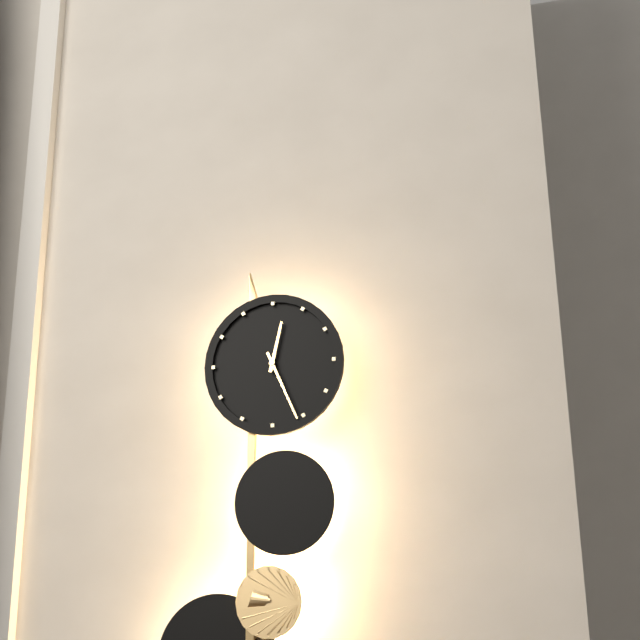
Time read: 12.26
